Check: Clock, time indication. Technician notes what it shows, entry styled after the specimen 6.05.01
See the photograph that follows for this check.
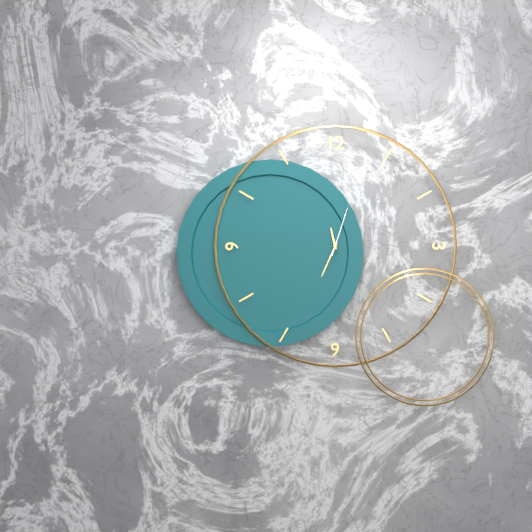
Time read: 11.34.03
